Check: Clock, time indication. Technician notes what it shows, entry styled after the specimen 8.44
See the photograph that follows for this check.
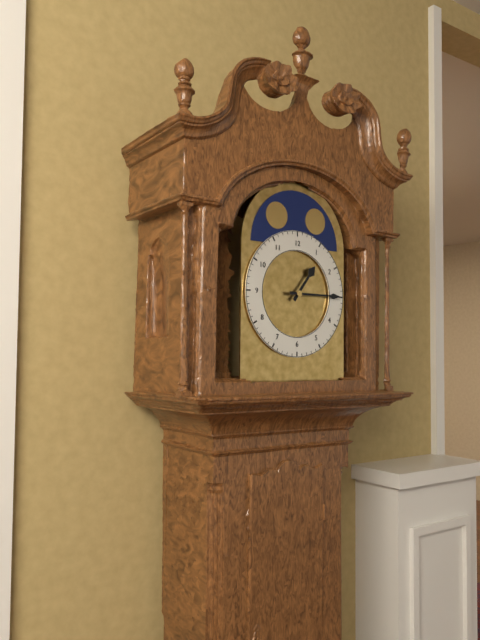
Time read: 1.15
